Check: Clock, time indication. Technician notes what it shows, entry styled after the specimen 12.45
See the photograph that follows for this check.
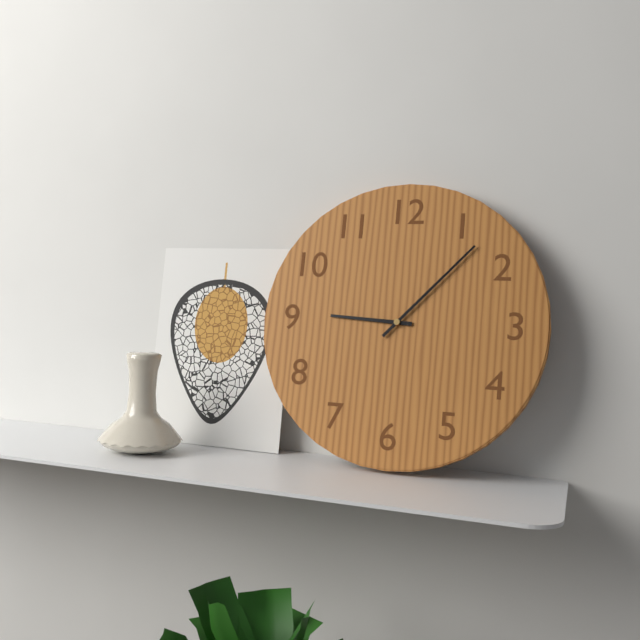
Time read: 9.07
